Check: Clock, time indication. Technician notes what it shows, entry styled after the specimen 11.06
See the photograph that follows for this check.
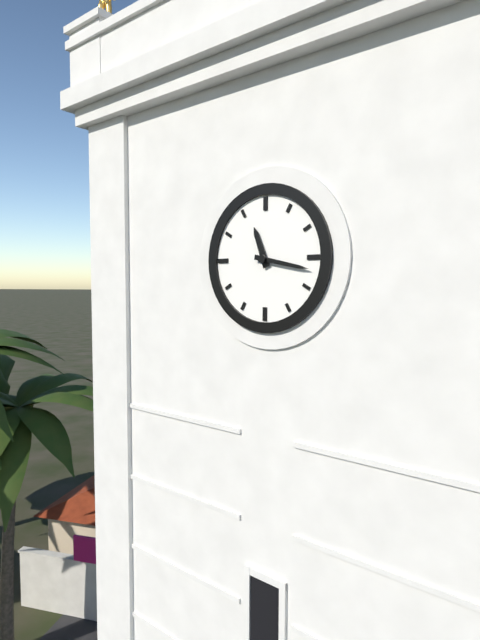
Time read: 11.17
